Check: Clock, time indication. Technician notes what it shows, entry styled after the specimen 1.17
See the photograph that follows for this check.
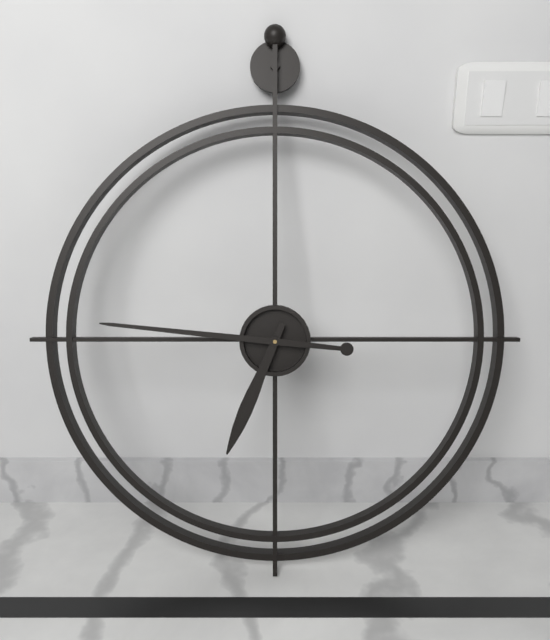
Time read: 6.46
